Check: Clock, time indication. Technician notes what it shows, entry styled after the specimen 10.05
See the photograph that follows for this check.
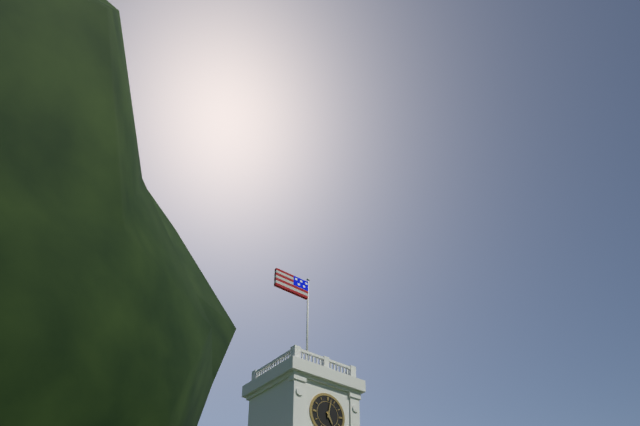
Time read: 5.02
